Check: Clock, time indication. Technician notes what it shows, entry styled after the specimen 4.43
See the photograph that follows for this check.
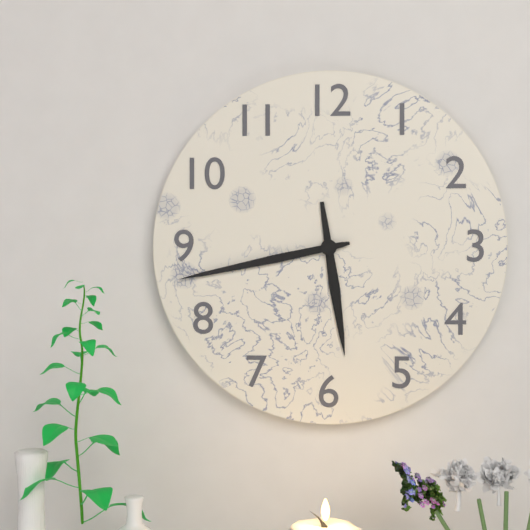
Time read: 5.43
